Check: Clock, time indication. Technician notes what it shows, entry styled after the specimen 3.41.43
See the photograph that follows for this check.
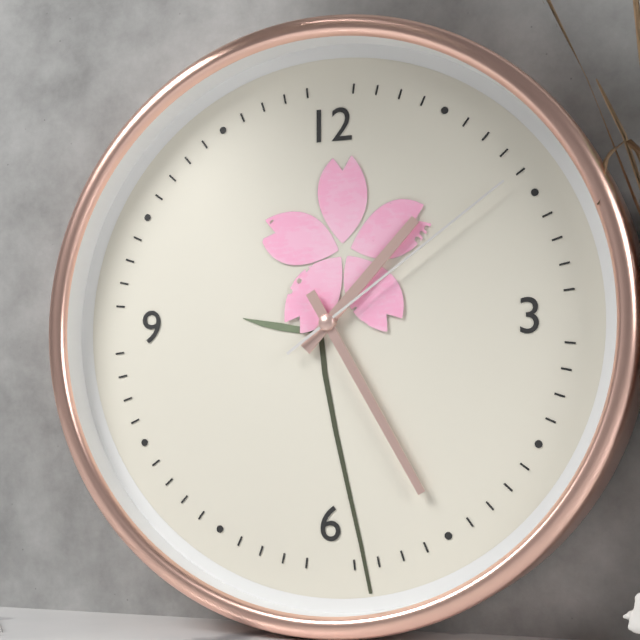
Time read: 1.25.09
